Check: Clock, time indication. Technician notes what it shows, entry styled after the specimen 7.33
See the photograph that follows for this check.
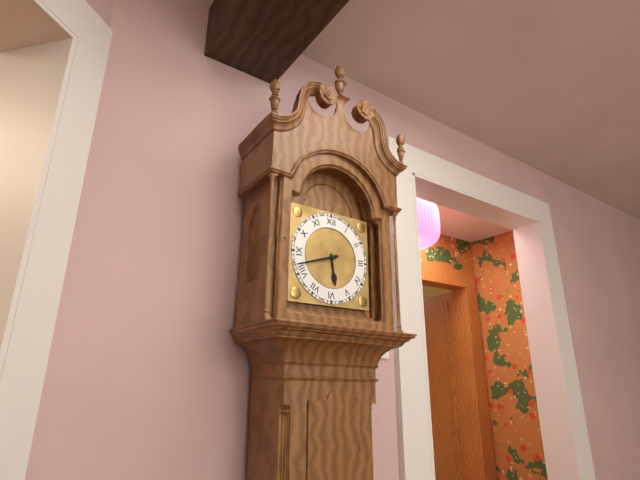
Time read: 5.42
